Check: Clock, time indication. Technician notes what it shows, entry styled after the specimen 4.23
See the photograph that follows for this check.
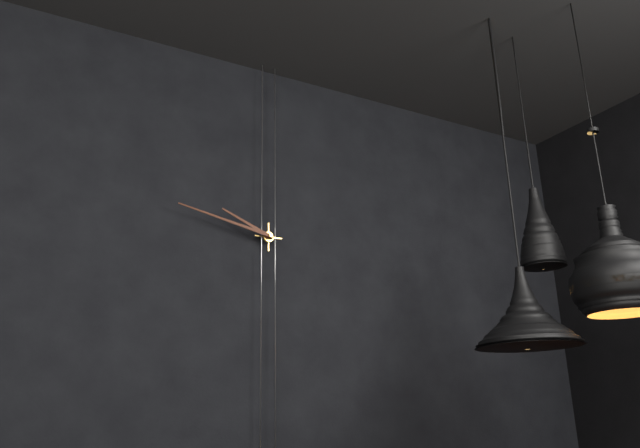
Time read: 9.47
